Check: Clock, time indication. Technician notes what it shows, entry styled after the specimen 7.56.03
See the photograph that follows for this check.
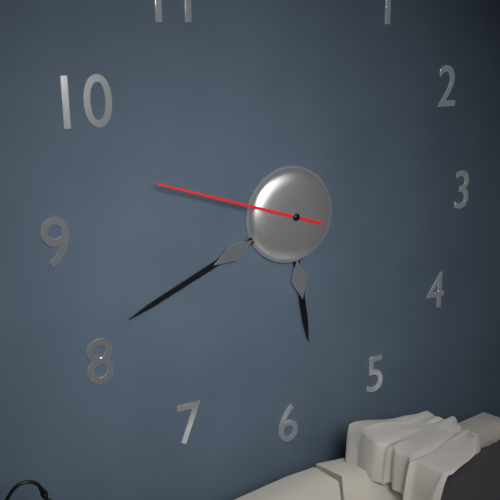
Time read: 5.41.48
